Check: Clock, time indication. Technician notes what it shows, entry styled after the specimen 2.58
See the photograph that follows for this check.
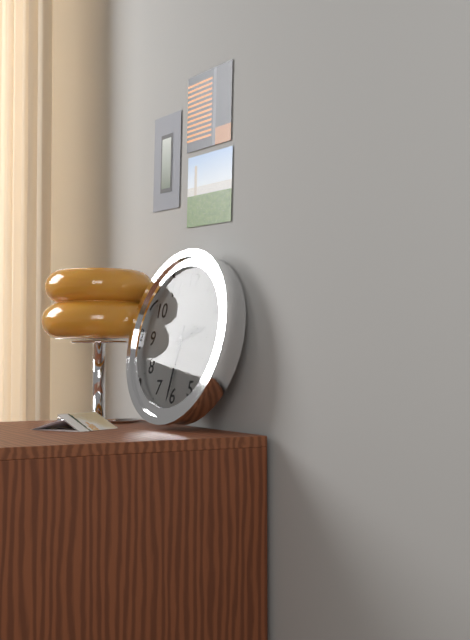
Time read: 2.31
